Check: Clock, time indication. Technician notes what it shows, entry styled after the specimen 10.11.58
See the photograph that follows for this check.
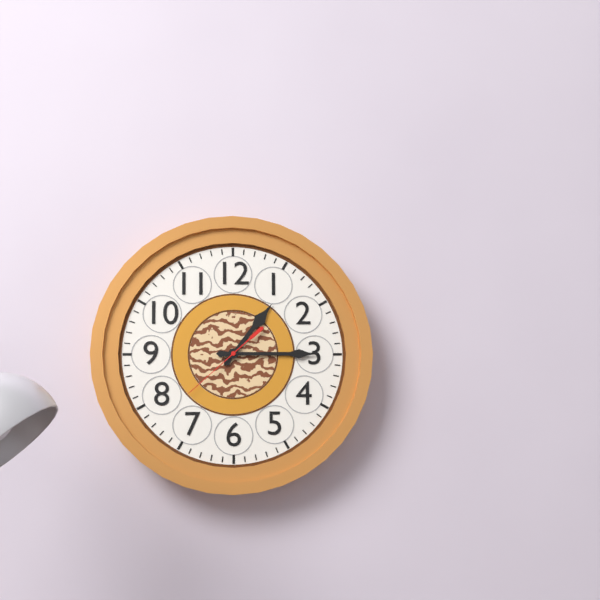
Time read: 1.15.38
